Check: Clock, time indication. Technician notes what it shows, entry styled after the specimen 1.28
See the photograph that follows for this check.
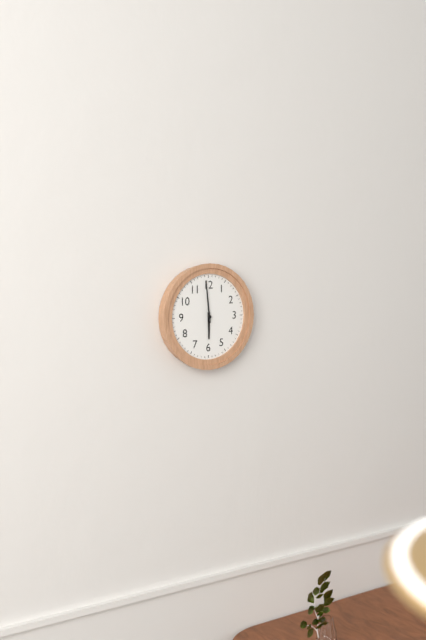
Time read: 5.59
